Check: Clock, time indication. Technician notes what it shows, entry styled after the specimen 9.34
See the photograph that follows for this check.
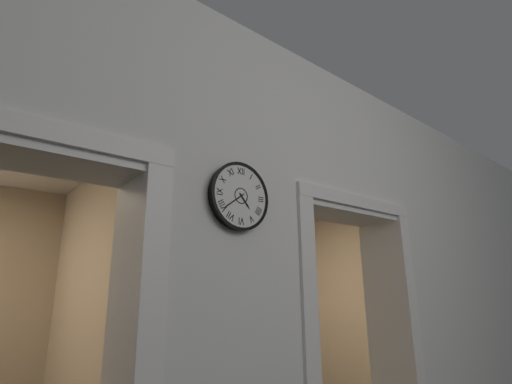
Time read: 4.39
